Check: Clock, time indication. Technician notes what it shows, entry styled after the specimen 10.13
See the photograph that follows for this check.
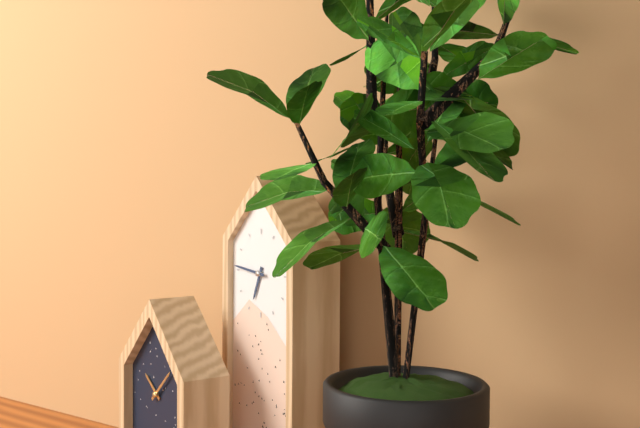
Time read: 6.46
